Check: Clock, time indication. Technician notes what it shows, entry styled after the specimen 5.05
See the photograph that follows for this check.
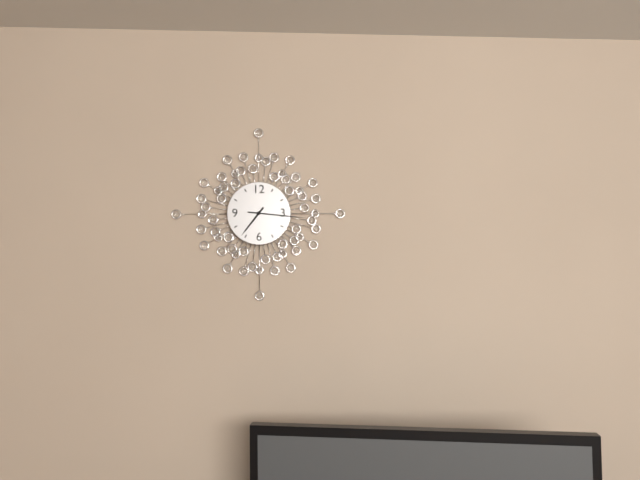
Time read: 7.16
